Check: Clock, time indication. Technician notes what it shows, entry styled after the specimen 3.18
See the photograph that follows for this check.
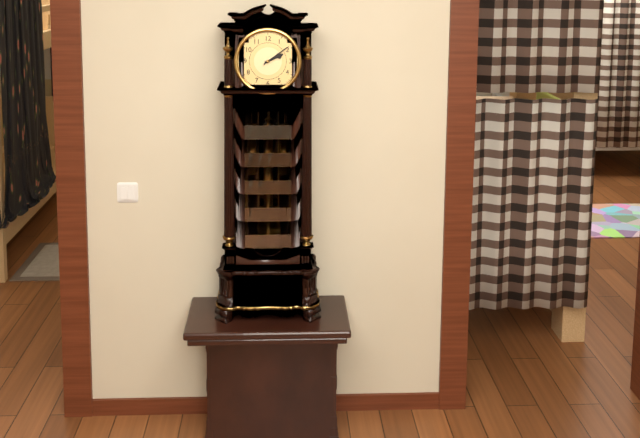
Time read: 2.09
